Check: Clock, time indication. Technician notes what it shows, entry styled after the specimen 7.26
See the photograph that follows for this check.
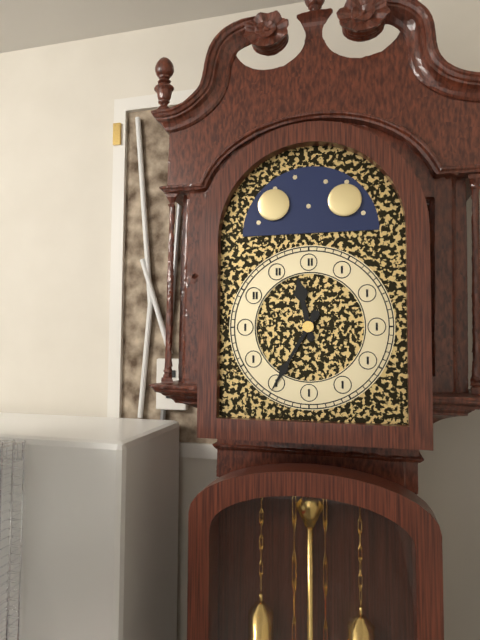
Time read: 11.35
